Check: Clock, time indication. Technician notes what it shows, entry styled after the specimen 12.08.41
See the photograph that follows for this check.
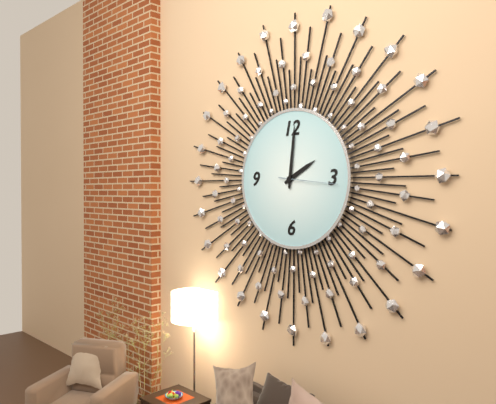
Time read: 2.01.16
